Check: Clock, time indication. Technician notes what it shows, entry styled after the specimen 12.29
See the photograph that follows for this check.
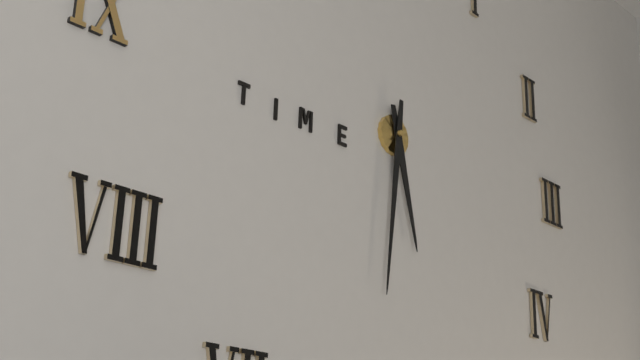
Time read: 5.31
